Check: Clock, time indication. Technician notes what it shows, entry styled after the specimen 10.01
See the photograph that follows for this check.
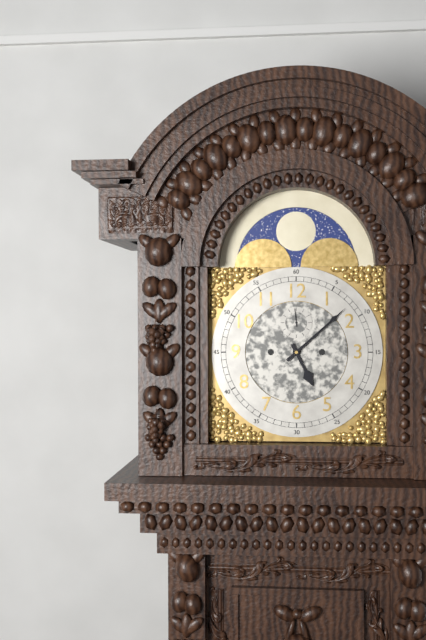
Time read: 5.08
